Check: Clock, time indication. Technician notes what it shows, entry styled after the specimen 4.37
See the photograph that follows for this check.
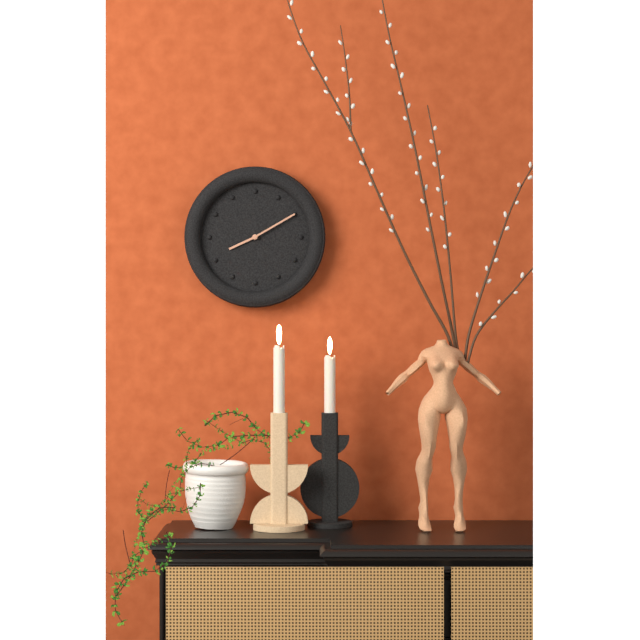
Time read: 8.10
